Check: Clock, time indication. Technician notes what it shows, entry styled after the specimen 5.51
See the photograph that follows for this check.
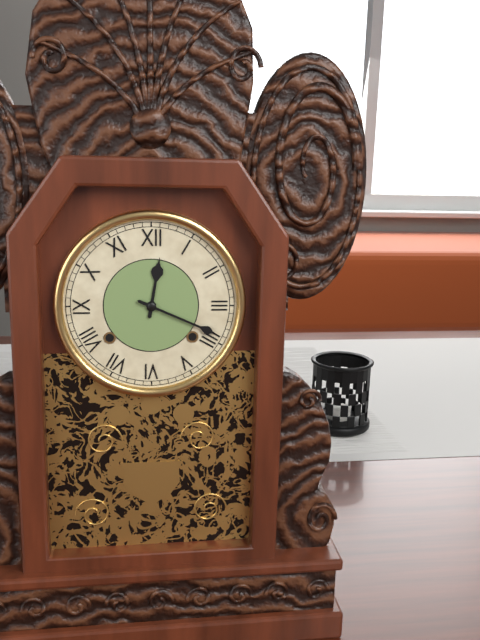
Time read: 12.19
